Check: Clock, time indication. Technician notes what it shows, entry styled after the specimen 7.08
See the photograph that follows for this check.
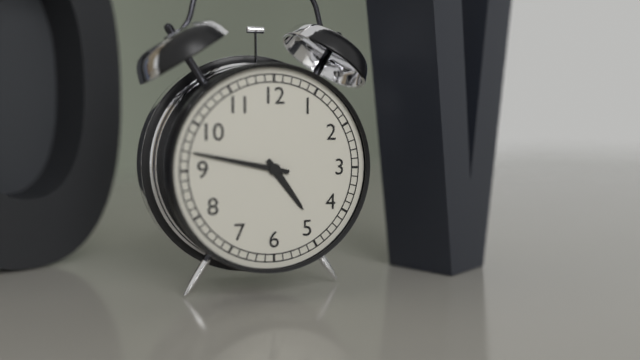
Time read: 4.47
